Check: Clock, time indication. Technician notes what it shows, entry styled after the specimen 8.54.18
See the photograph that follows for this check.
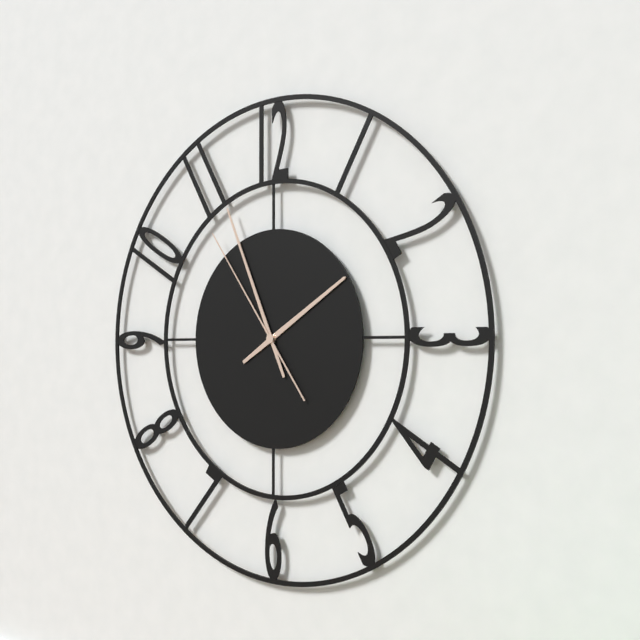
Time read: 1.56.54
